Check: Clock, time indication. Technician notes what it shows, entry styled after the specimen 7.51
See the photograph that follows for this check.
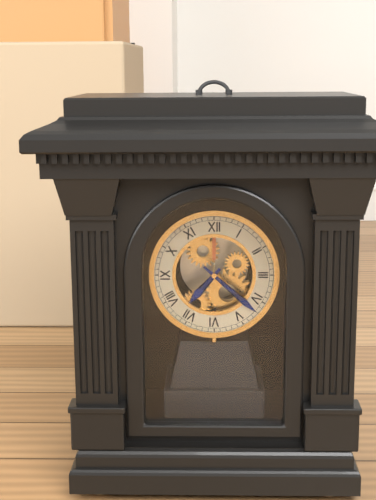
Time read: 7.22
